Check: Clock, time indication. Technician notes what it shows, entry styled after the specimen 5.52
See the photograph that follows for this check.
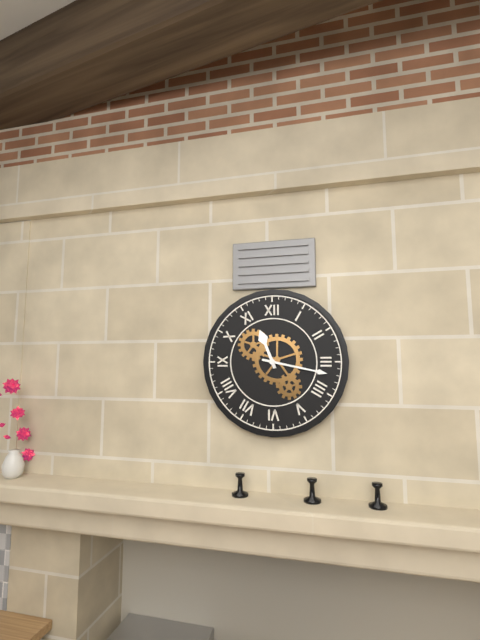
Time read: 11.17
